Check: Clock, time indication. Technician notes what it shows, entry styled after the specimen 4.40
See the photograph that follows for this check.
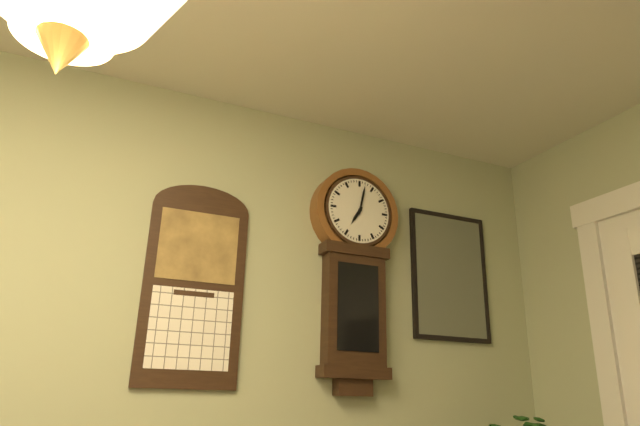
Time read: 7.02
